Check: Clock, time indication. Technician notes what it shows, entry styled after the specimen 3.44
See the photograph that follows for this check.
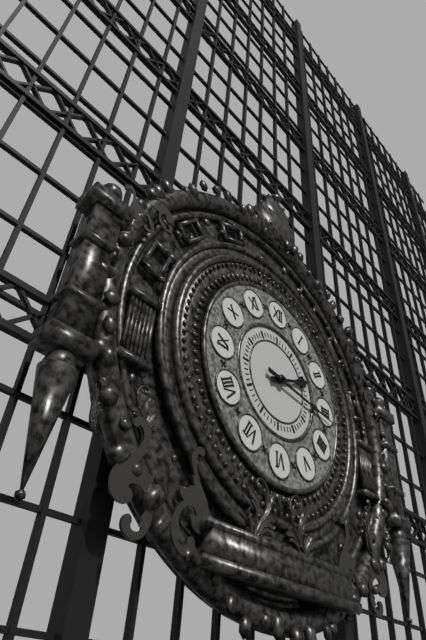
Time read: 2.16
